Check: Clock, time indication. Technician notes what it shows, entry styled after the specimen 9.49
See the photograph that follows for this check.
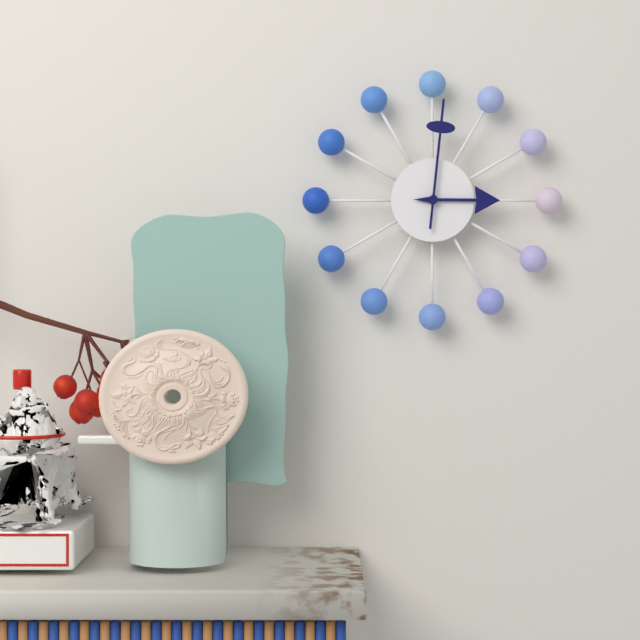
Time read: 3.01
